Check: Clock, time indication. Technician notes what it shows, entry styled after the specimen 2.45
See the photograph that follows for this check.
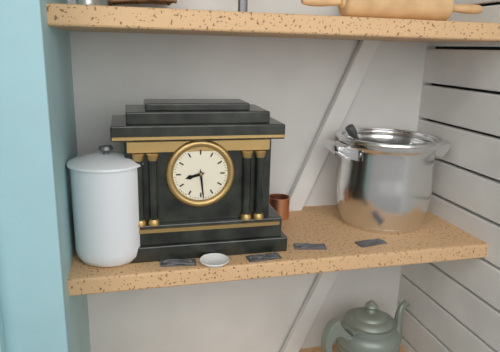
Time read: 8.29
